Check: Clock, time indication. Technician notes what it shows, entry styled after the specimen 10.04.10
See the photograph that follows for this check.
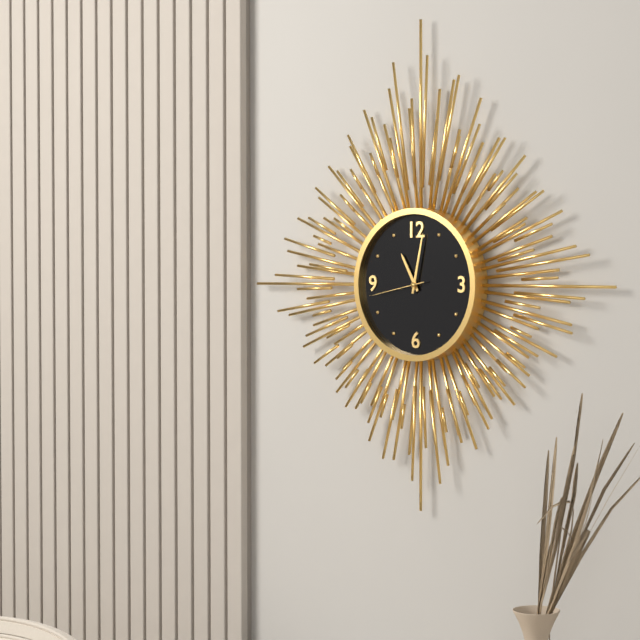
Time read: 11.02.43
